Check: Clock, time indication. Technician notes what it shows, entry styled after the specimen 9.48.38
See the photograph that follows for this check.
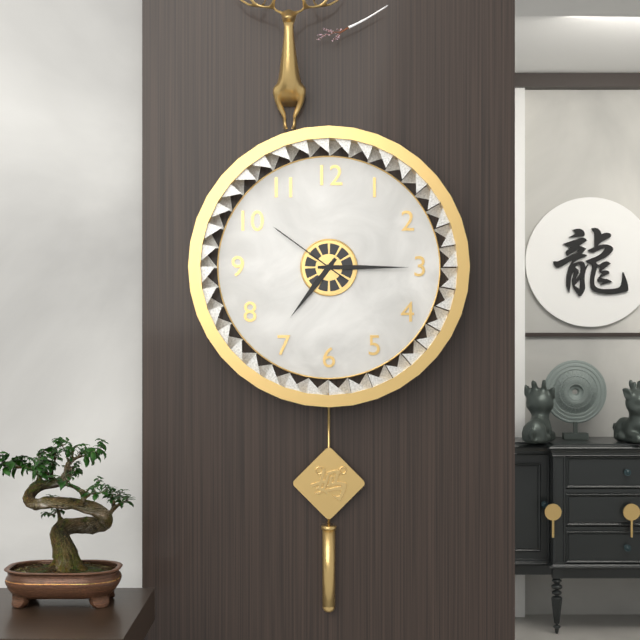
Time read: 7.15.51
